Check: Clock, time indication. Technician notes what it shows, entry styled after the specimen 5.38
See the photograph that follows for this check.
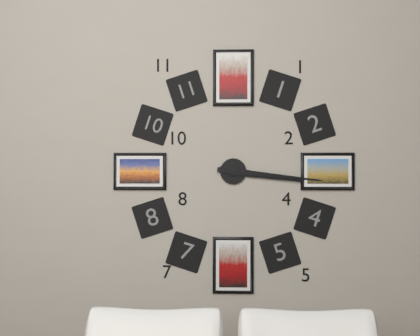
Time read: 3.16
